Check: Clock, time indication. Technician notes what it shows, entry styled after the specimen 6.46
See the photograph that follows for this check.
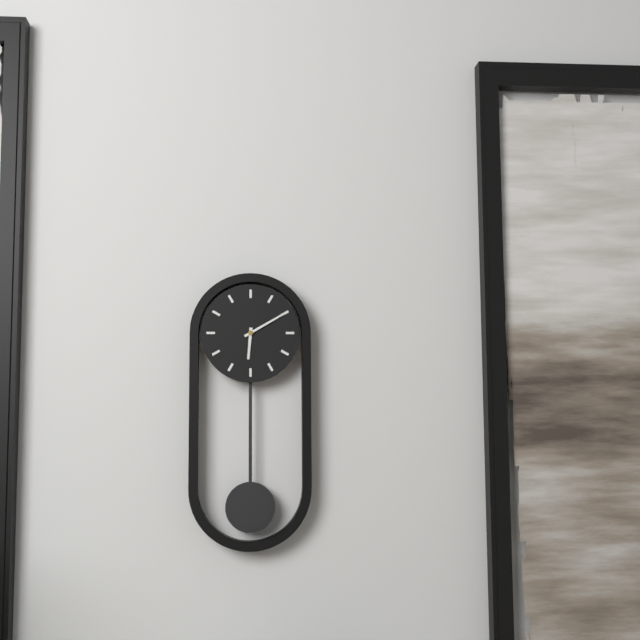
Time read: 6.10
